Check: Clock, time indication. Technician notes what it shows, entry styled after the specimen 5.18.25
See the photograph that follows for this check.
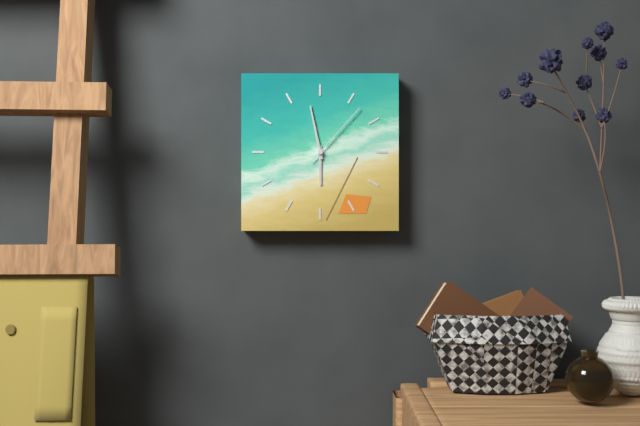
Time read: 5.58.07
